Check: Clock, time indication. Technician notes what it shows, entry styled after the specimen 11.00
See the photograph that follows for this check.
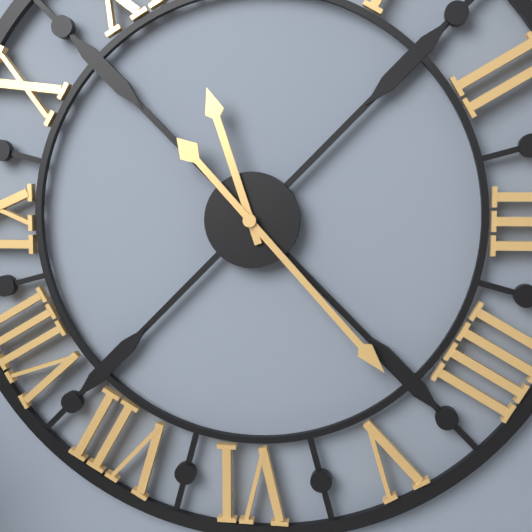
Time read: 11.23
